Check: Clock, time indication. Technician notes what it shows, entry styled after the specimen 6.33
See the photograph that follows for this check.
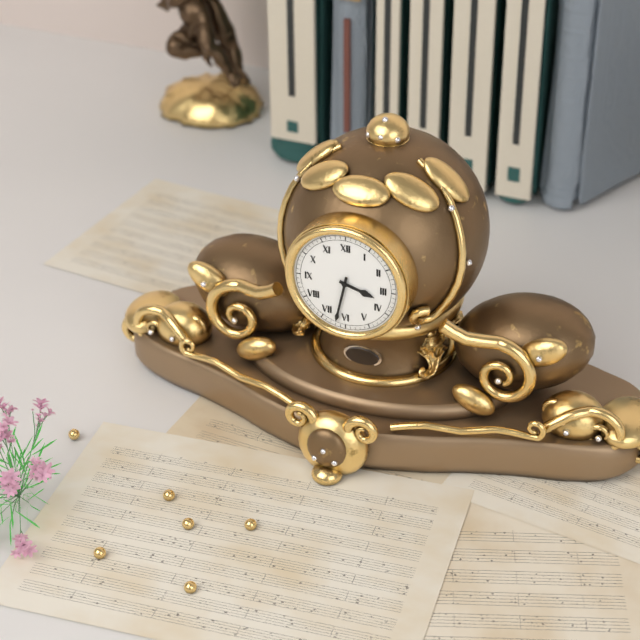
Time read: 3.32
